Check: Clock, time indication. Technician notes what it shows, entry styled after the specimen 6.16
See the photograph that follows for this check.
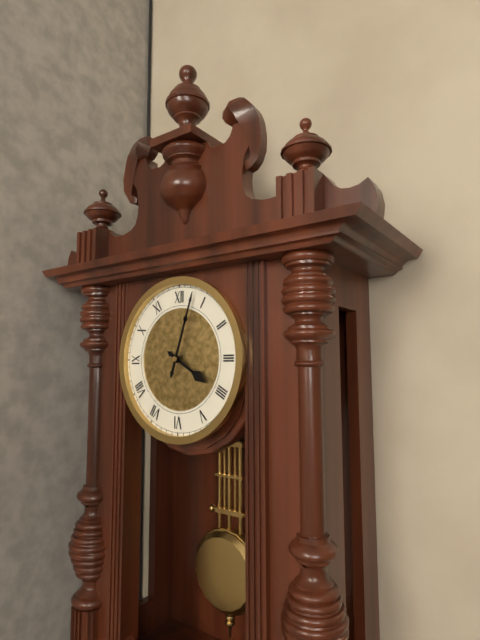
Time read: 4.03
